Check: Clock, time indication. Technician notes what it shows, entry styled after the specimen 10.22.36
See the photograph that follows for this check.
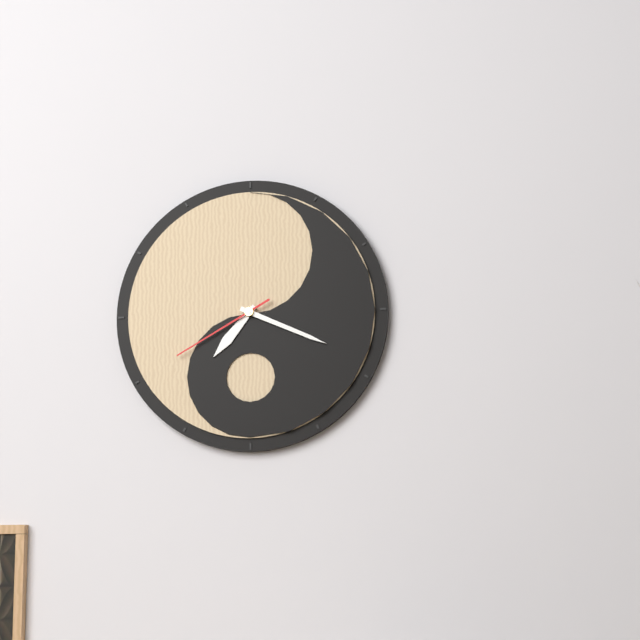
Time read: 7.19.40
